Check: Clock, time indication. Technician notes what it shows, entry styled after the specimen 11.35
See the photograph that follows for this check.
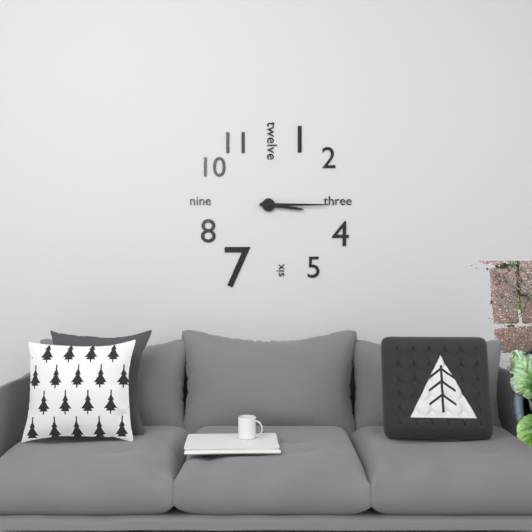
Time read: 3.15
